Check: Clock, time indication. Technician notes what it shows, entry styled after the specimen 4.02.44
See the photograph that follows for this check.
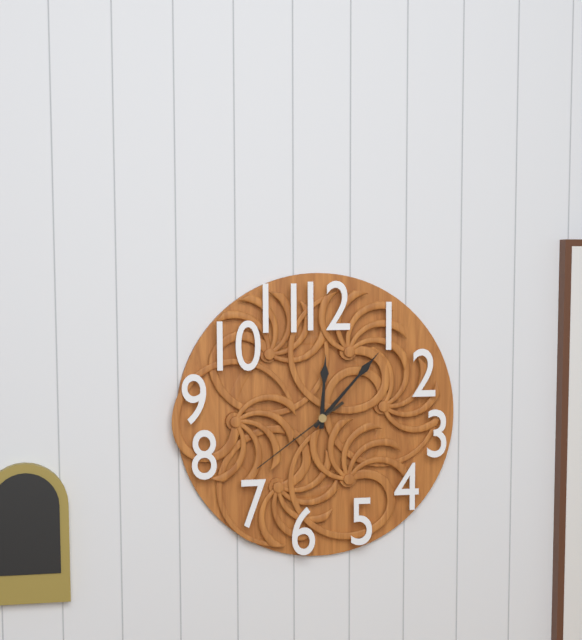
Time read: 12.07.39
